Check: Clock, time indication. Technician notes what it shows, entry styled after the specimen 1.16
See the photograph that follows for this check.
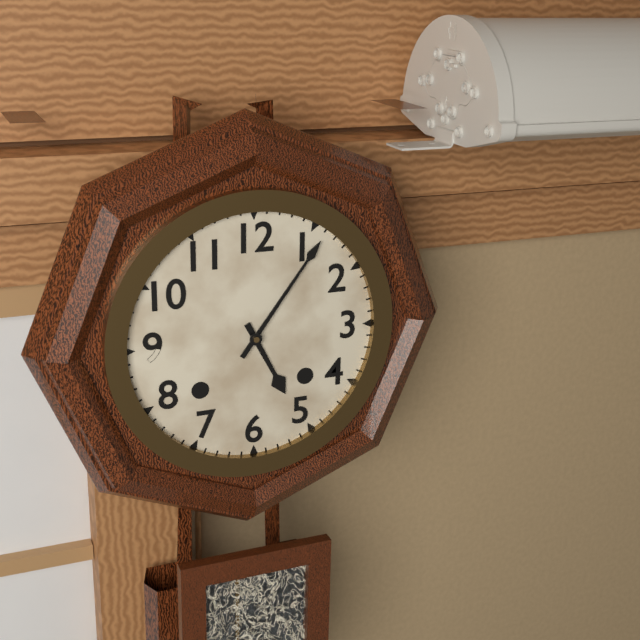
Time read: 5.06
